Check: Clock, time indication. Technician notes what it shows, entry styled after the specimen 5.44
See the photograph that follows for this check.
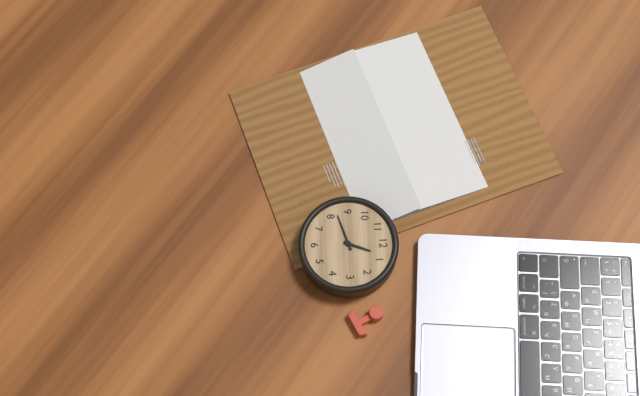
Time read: 12.42
